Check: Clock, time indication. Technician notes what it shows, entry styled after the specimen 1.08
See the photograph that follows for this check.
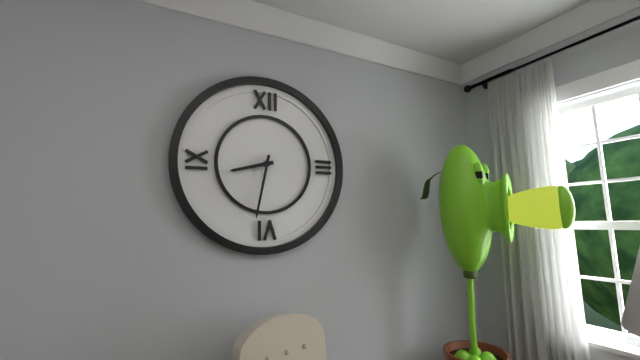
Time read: 8.32
